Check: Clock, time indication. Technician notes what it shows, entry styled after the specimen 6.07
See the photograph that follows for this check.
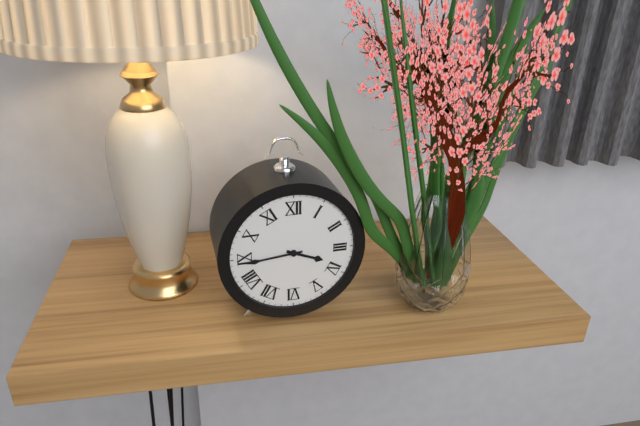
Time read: 3.44
